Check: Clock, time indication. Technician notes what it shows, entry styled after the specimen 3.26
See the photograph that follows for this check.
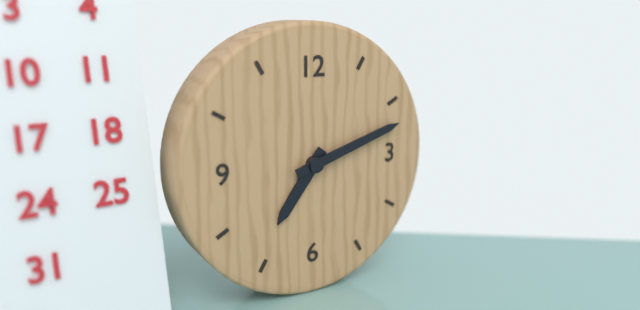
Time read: 7.12
